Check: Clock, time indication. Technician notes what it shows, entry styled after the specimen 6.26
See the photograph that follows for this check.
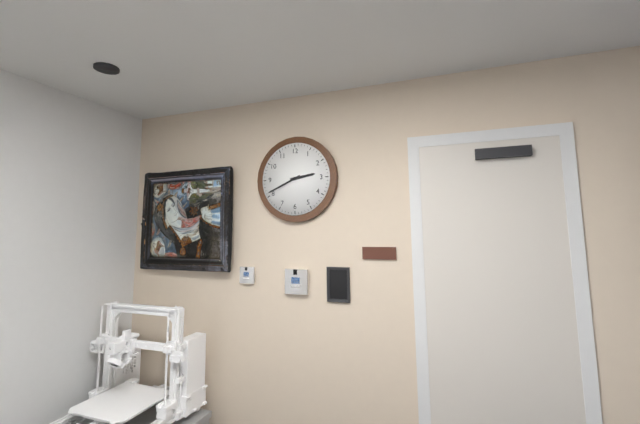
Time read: 2.41
